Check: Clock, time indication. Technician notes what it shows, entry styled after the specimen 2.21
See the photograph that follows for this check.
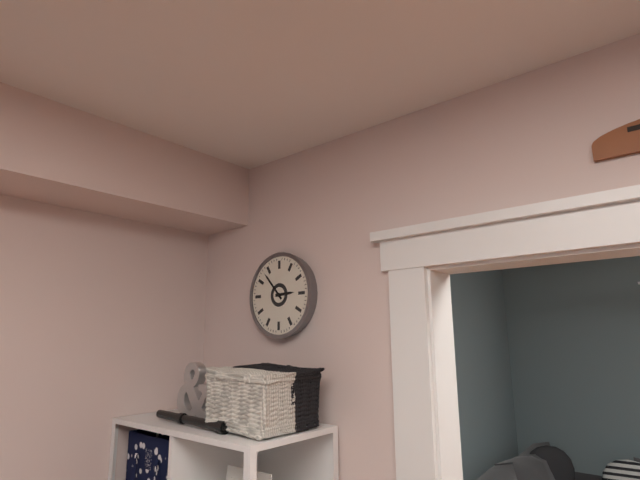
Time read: 2.53
